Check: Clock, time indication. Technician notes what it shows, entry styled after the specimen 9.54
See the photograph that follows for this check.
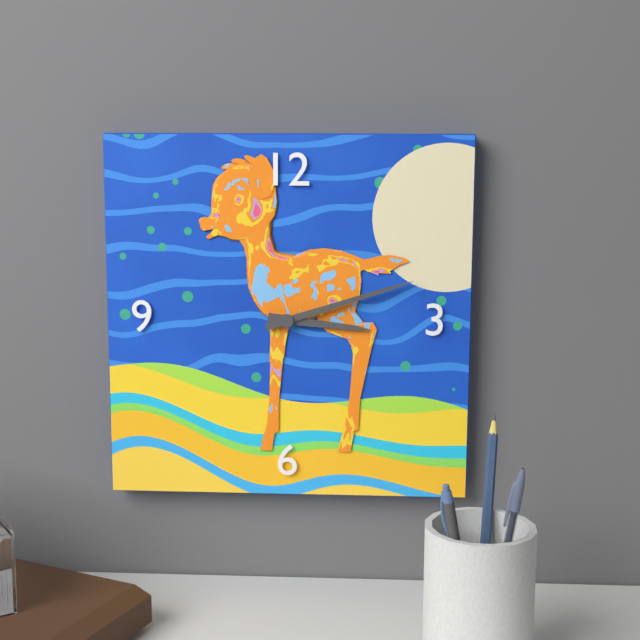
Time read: 3.12
